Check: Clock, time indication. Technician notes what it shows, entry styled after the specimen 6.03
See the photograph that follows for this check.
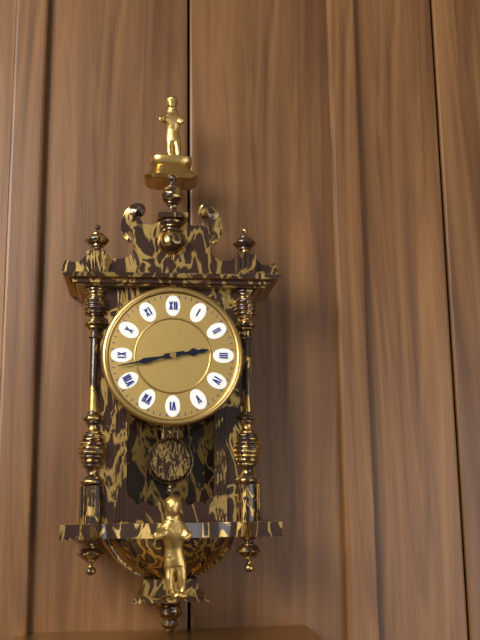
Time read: 2.43
